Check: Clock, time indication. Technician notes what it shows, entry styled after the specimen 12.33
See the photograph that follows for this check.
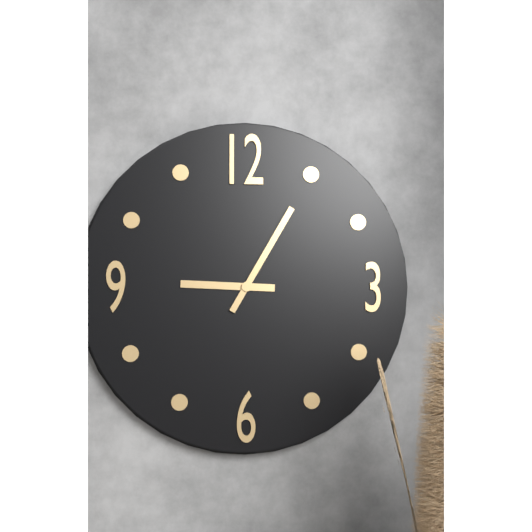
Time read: 9.05
